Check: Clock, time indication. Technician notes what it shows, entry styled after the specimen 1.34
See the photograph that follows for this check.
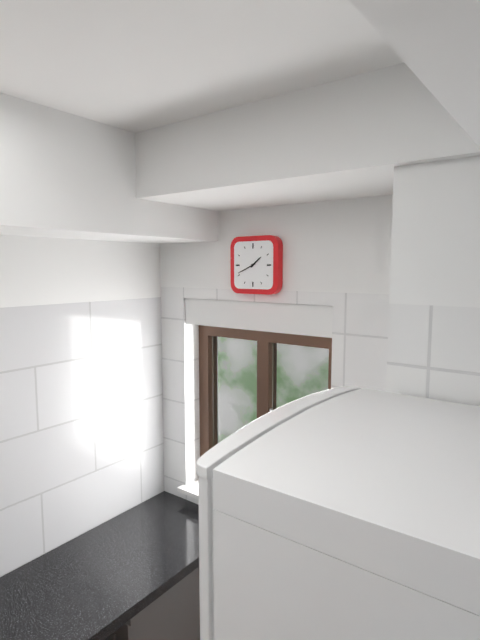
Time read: 1.41
